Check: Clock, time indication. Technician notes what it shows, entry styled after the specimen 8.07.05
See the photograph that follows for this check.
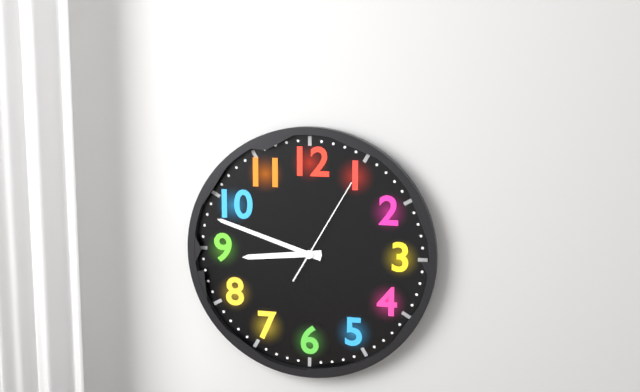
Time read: 8.48.05
